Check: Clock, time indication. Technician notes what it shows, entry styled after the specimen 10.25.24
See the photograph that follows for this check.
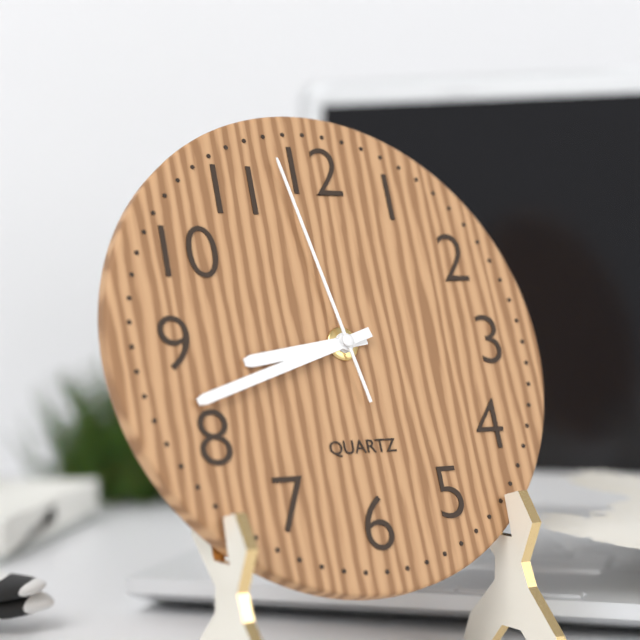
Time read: 8.42.58
